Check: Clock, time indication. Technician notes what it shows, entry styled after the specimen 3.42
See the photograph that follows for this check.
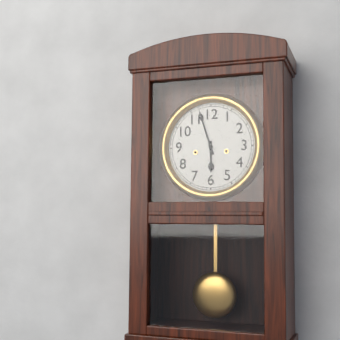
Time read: 5.57
